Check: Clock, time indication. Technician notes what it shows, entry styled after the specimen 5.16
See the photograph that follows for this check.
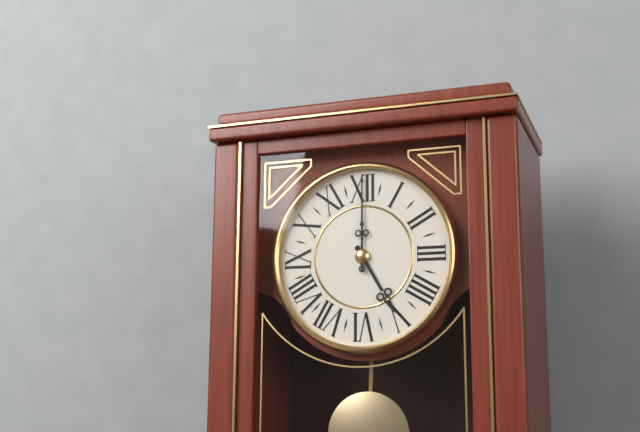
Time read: 5.00
